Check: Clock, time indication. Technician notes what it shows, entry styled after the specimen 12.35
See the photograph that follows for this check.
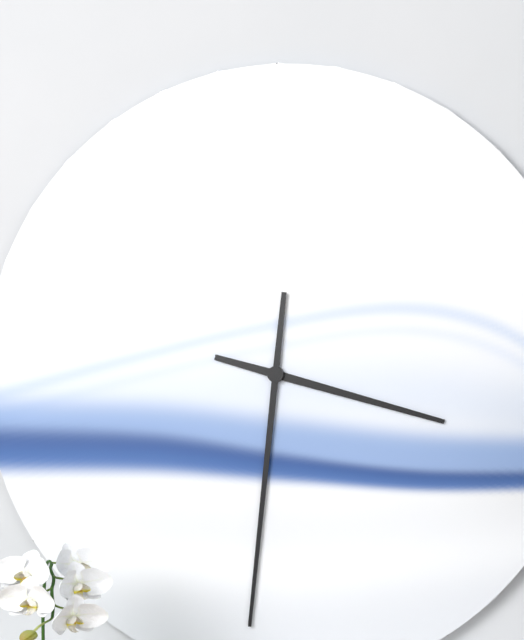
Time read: 3.31
